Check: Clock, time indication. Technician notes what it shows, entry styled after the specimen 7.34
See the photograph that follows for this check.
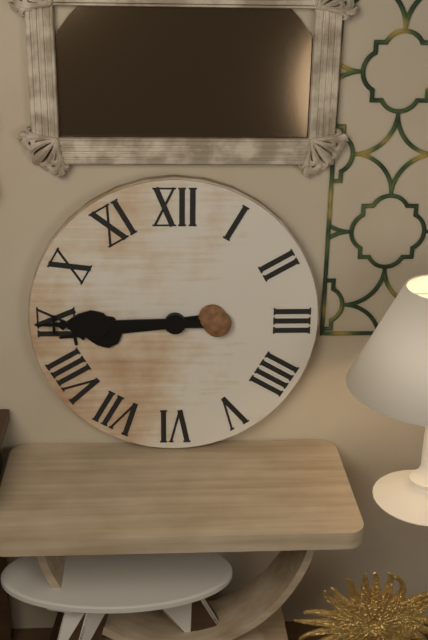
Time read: 8.45
